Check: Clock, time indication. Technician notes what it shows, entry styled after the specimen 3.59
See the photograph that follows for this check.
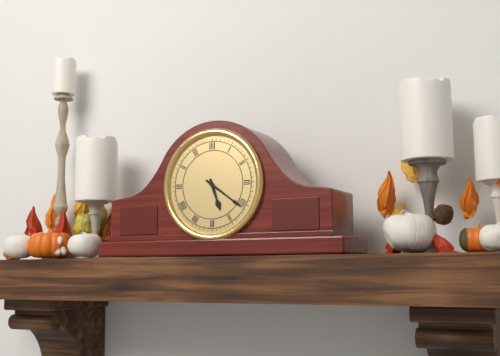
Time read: 5.21
